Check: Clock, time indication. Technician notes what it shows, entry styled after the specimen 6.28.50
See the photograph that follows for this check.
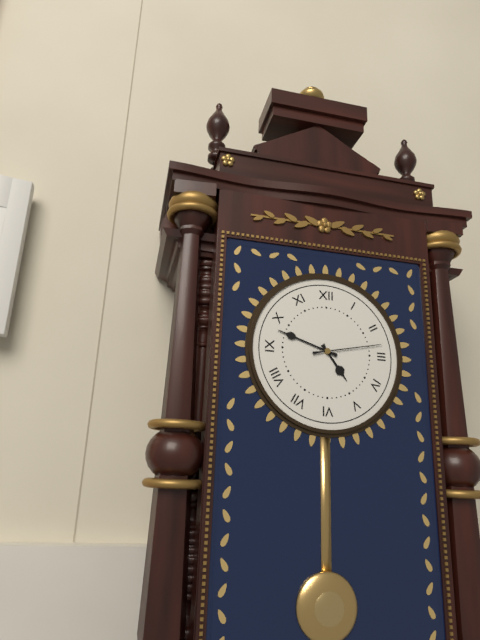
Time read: 4.48.13
